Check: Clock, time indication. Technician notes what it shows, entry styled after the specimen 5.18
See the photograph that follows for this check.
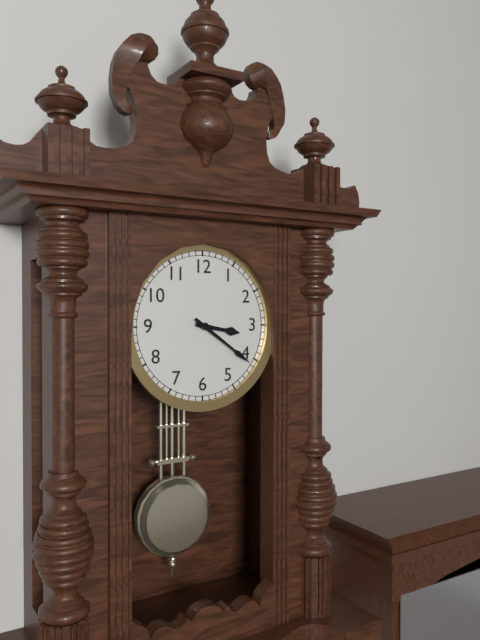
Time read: 3.21
